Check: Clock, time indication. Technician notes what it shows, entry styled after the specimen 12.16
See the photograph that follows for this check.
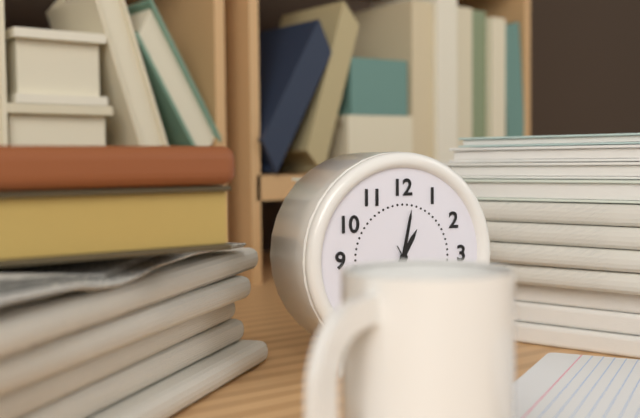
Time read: 1.02
